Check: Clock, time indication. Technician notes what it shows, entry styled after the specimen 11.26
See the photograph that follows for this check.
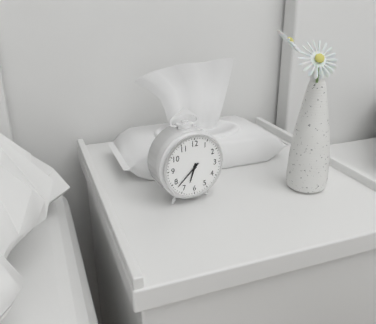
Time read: 6.38
